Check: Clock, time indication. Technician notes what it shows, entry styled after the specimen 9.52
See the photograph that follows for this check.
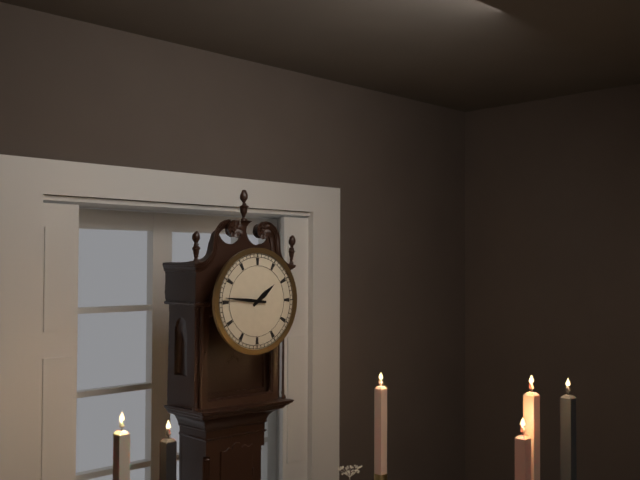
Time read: 1.46
